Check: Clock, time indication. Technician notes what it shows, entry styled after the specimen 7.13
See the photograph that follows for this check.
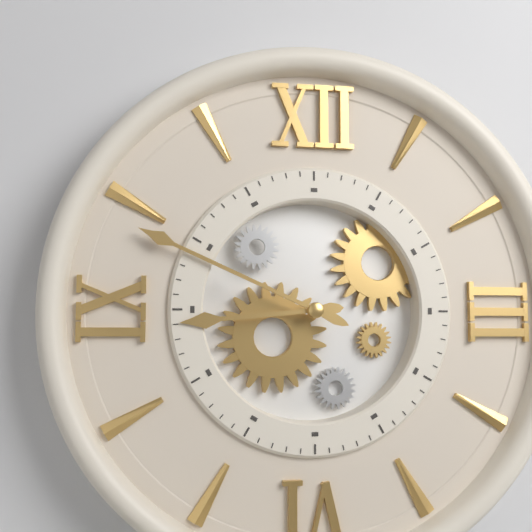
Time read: 8.49
